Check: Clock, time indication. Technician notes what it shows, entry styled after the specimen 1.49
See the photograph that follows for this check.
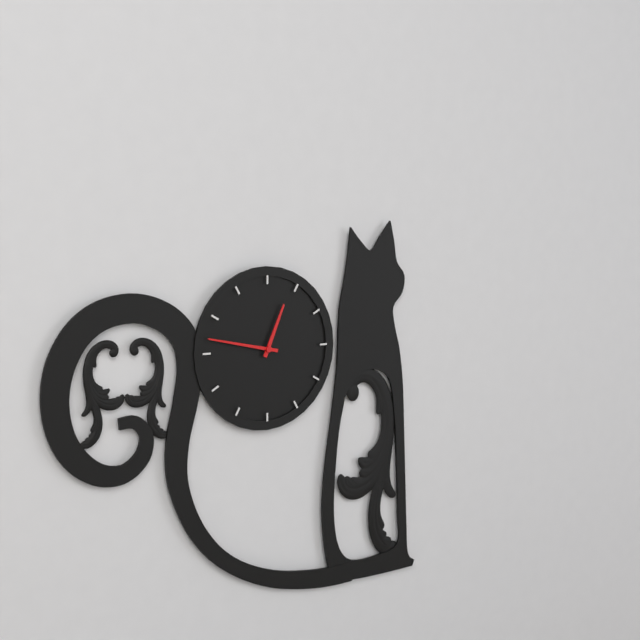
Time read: 12.47
